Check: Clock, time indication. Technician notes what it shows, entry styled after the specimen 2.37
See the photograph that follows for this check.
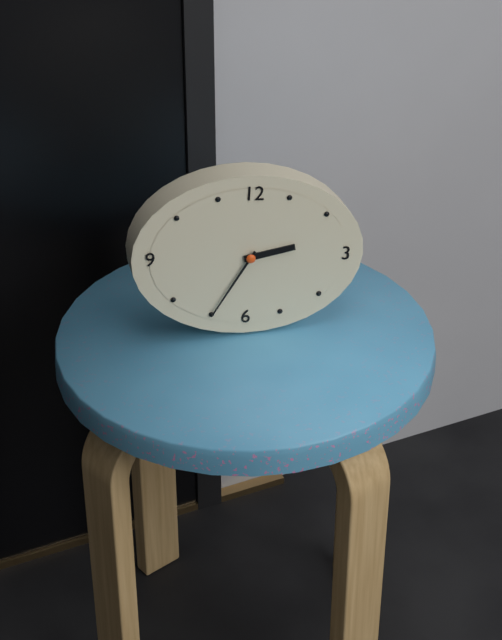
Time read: 2.35
